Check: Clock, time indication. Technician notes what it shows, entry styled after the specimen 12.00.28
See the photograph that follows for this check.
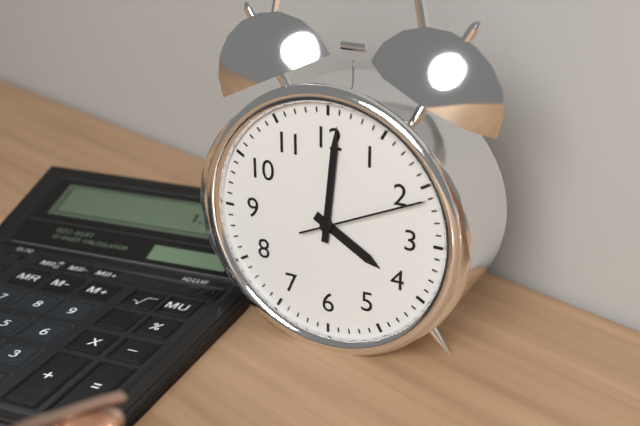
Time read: 4.01.11
